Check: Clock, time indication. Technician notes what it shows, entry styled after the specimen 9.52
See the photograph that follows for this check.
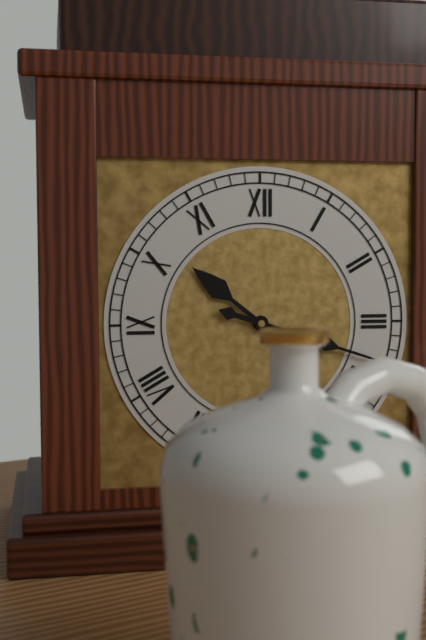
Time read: 10.18
